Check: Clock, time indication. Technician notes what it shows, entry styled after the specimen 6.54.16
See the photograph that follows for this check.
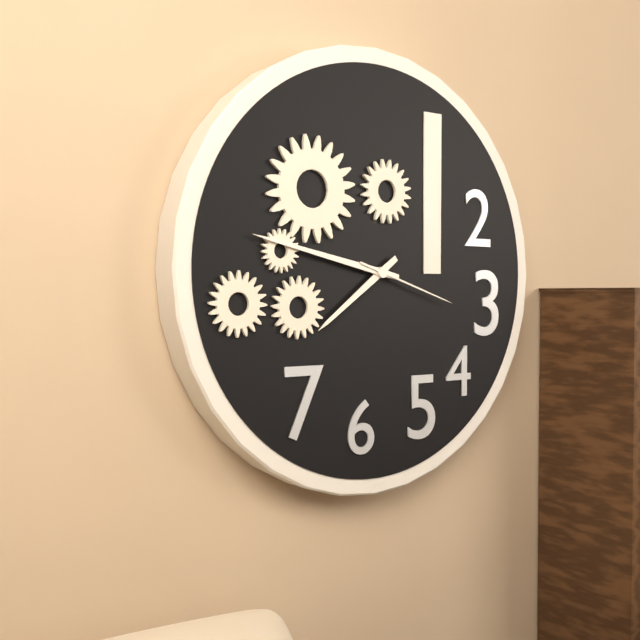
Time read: 7.47.18
